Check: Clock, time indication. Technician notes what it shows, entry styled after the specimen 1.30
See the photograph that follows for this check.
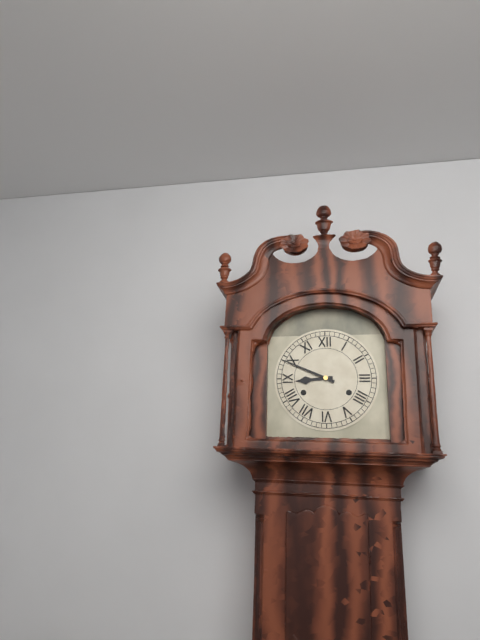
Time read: 8.49
